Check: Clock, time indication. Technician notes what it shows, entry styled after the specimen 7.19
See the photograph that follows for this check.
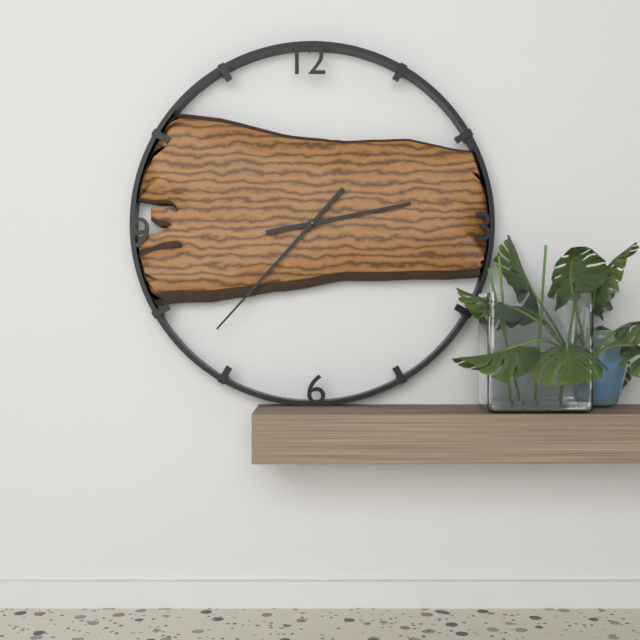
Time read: 2.37
